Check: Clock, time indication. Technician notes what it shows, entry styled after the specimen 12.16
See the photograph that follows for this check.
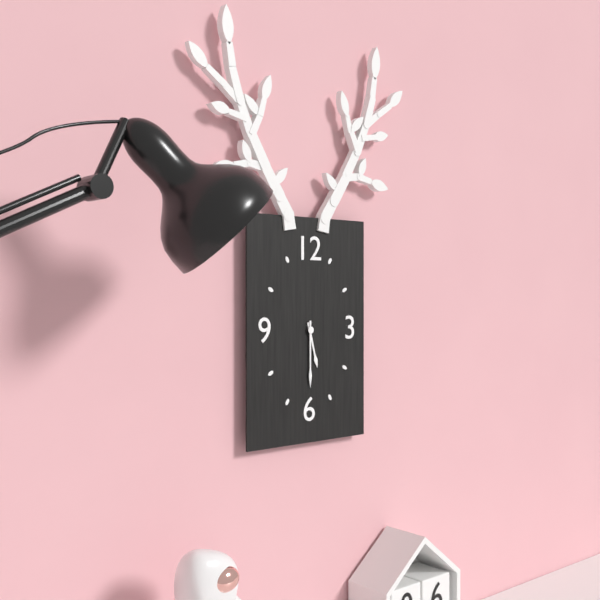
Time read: 5.30
